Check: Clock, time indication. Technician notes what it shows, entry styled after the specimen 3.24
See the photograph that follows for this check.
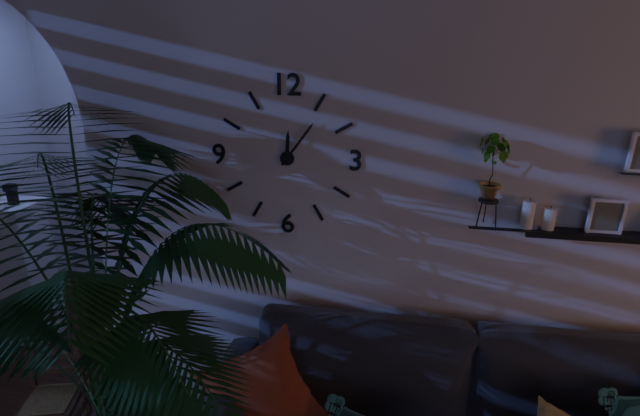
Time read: 12.06
